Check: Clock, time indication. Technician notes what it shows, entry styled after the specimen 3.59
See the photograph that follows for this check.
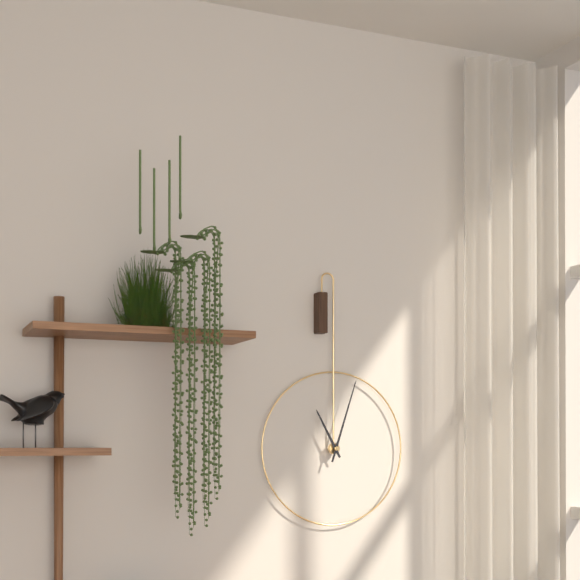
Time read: 11.03
